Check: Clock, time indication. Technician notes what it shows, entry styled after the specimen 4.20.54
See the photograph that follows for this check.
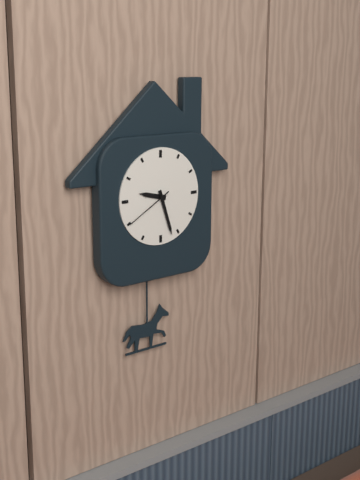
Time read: 9.27.40
